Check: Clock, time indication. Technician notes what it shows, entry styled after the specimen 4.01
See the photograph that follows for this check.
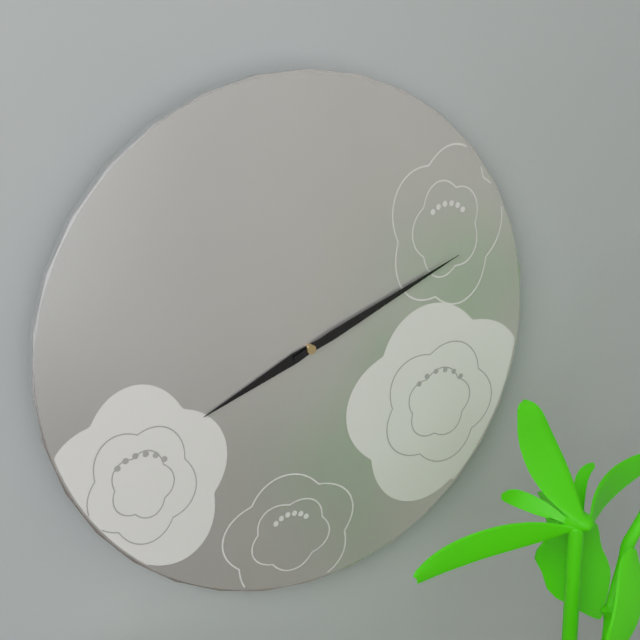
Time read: 8.11
